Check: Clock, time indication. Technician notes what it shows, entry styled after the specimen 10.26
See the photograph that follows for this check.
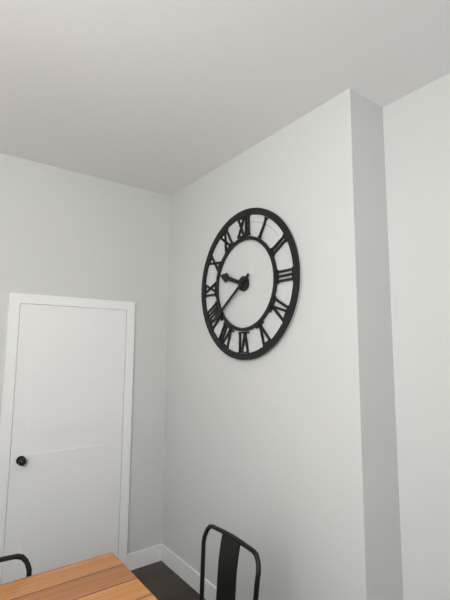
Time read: 9.39
